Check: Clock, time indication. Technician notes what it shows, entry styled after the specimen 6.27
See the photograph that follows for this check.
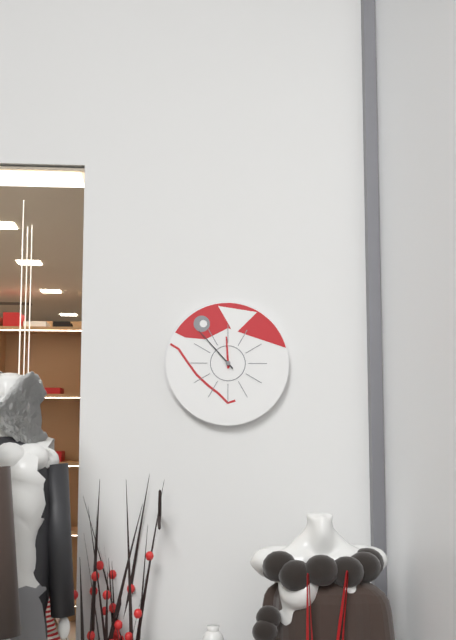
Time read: 11.53
